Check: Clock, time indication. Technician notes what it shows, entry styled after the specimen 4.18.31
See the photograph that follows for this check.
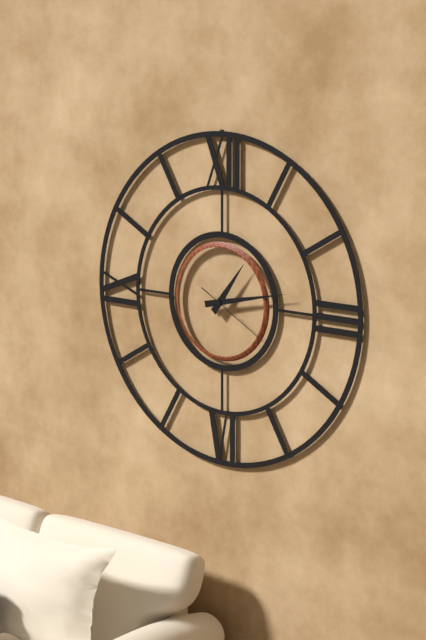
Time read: 1.13.20
